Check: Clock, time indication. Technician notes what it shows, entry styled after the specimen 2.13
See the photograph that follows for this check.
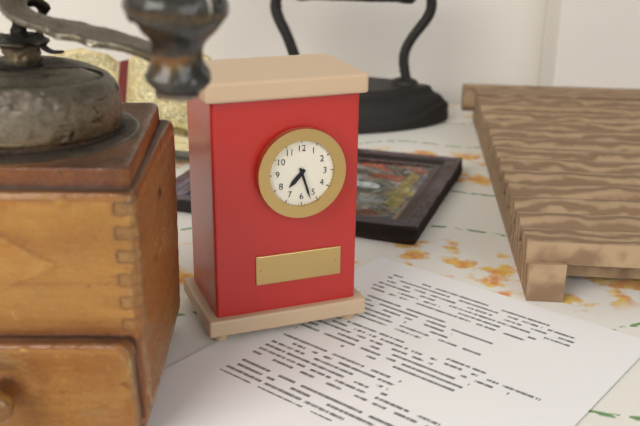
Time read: 7.27
